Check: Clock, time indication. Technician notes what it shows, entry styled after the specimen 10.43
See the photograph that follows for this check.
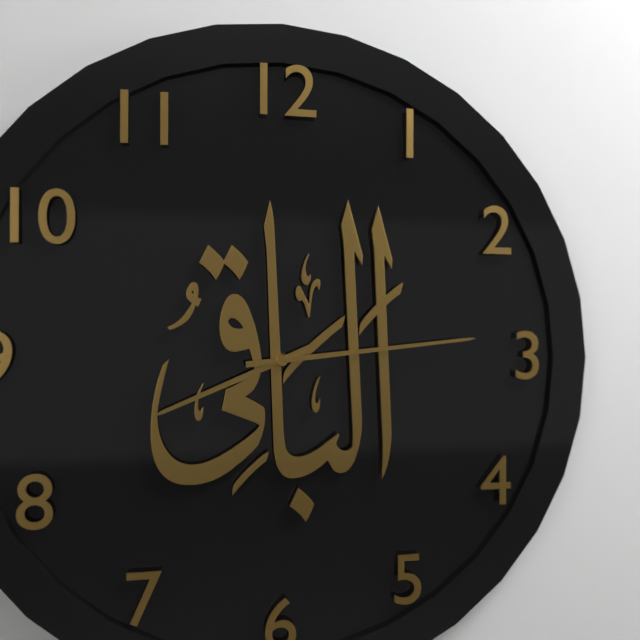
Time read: 8.14
